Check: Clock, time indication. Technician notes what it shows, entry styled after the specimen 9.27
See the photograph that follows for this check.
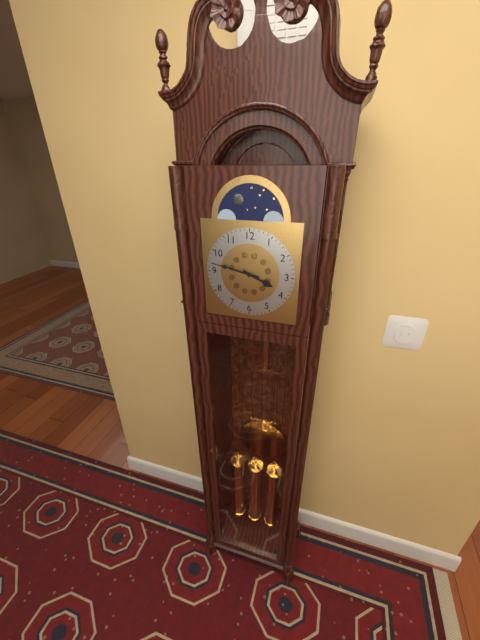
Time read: 3.47
